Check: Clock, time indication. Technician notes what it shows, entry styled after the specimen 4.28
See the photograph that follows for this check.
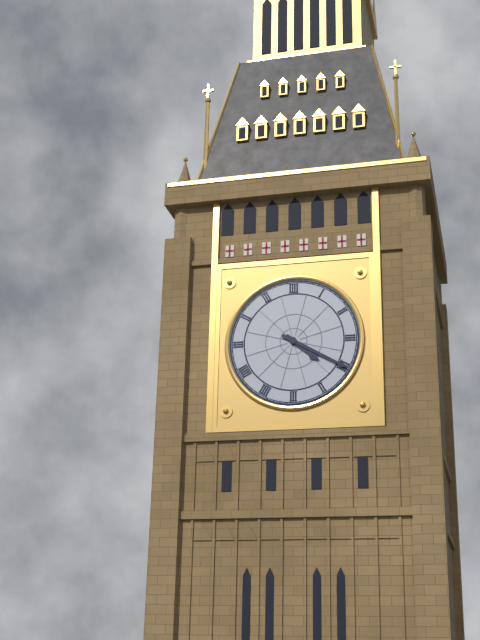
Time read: 4.20
